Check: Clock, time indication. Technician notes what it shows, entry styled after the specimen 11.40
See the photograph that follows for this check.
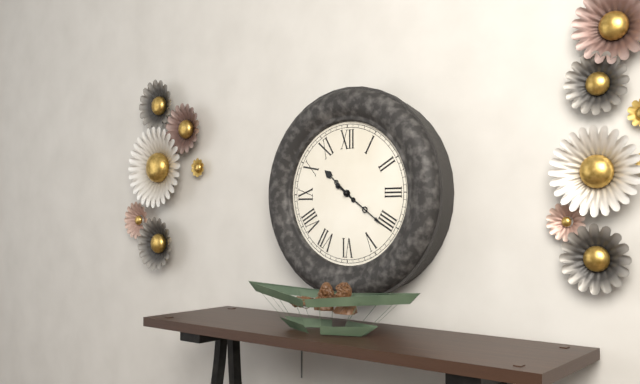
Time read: 10.21
